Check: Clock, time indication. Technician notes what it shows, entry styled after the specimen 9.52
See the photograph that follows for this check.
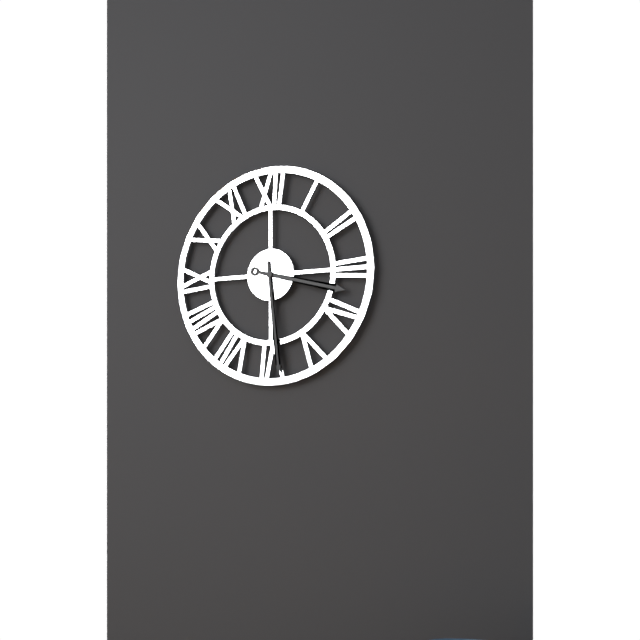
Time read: 3.29
